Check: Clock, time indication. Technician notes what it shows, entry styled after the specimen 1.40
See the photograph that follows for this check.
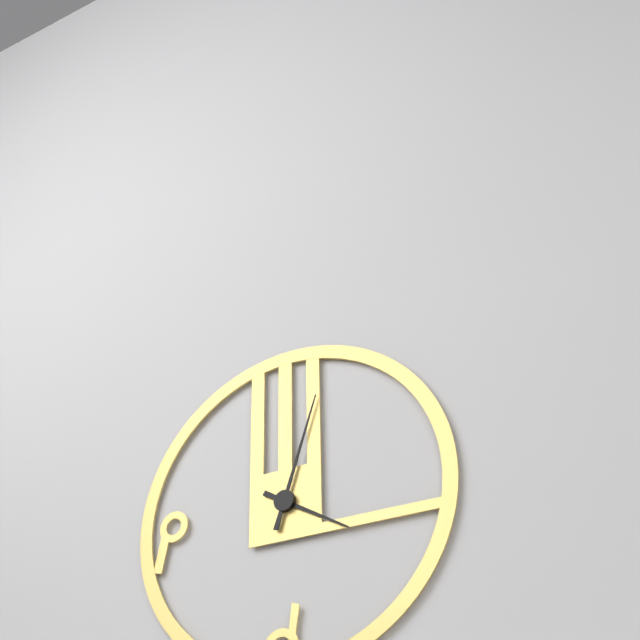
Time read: 4.03
